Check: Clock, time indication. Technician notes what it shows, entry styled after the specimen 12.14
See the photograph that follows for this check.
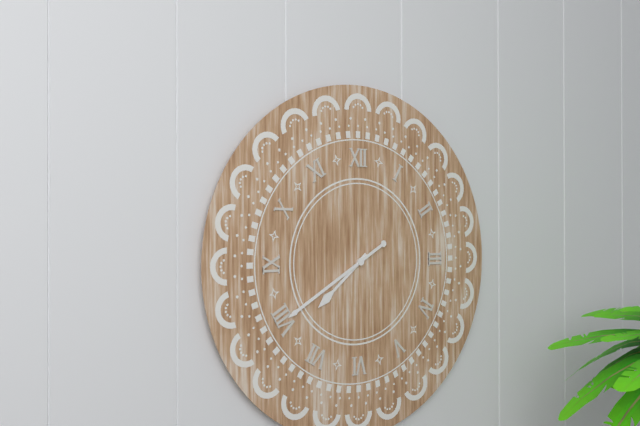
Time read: 7.40
